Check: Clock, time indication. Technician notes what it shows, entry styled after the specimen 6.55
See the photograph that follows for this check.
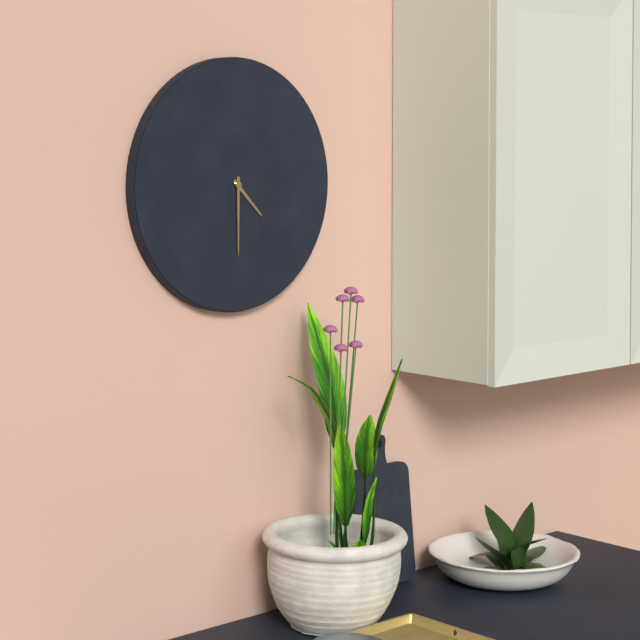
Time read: 4.30
